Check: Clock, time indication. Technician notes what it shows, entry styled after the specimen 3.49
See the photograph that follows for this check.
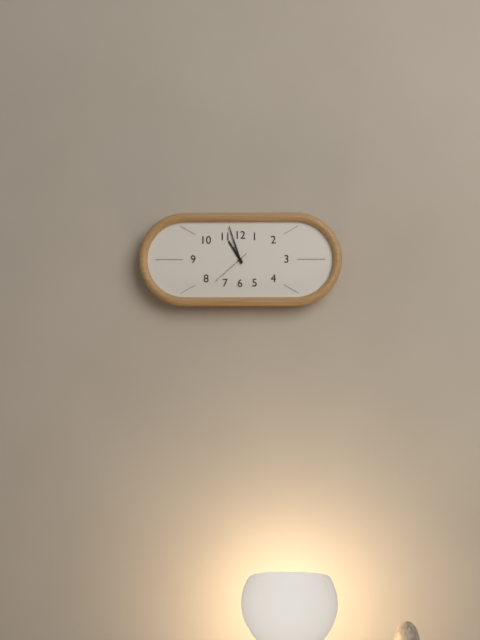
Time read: 10.57
